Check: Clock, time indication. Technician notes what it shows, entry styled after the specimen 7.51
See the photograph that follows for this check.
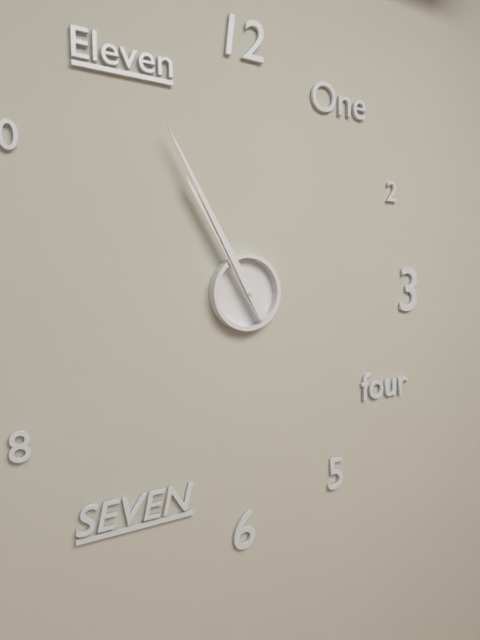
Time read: 10.55
